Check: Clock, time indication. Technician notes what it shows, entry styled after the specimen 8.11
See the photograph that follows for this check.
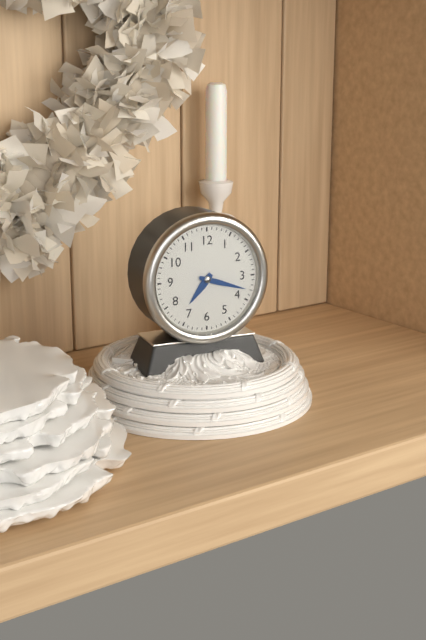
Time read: 7.18
